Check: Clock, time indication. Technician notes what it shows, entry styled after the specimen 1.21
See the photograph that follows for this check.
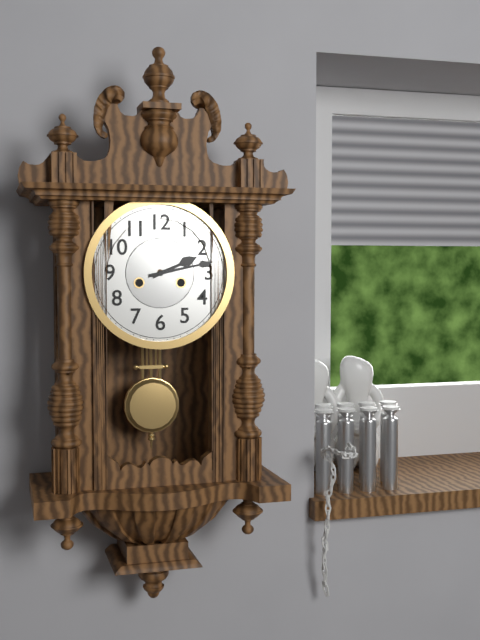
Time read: 2.13
